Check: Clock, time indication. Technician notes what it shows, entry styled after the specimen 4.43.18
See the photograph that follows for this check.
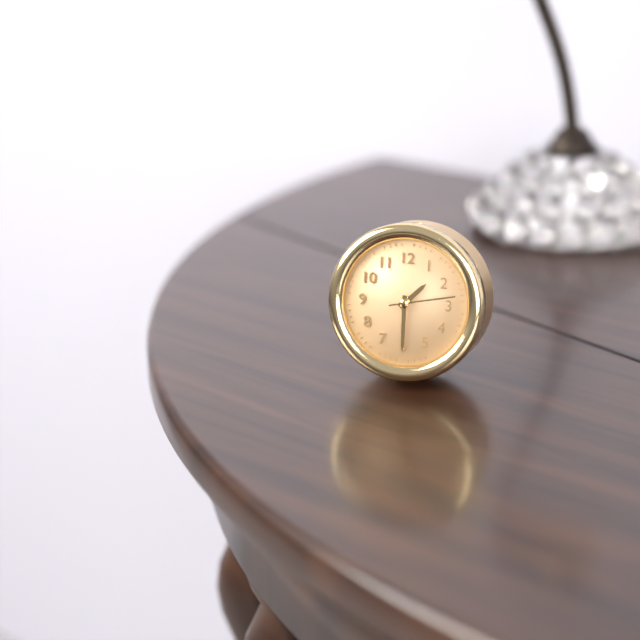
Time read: 1.30.13
